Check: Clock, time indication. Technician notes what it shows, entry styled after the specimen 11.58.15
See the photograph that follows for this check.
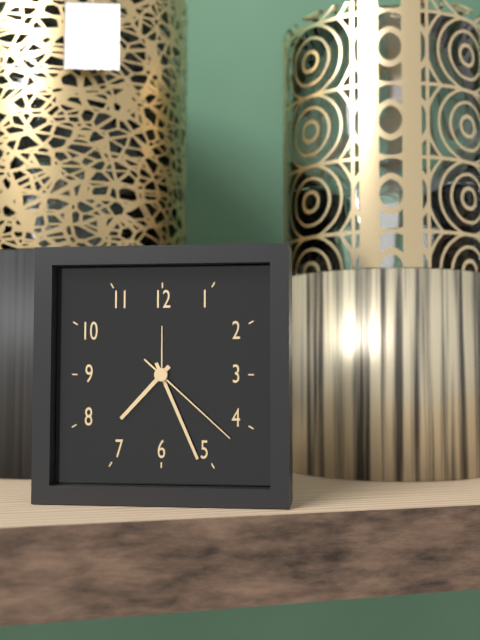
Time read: 7.26.22
